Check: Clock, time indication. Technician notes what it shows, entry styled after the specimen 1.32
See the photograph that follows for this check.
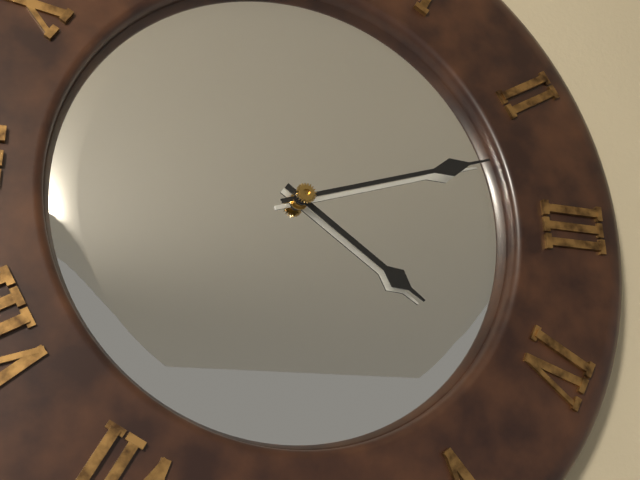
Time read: 4.12
